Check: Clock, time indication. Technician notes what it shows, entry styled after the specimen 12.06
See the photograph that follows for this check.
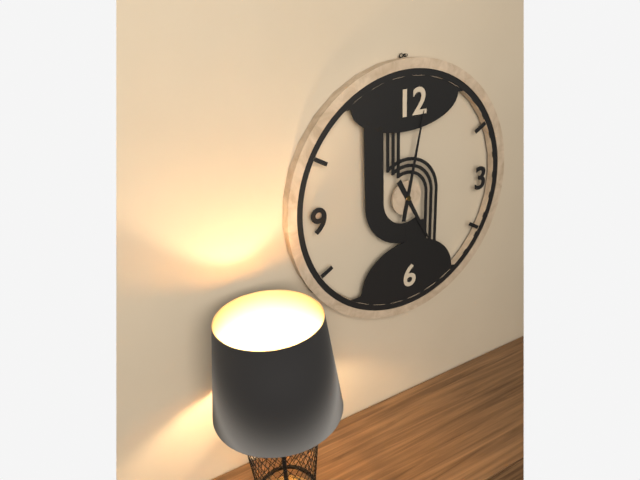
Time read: 5.02
